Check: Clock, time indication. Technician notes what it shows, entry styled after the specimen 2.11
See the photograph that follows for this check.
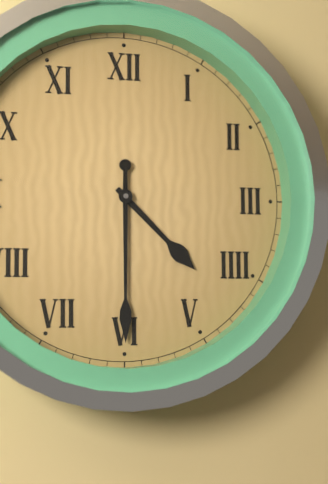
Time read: 4.30
